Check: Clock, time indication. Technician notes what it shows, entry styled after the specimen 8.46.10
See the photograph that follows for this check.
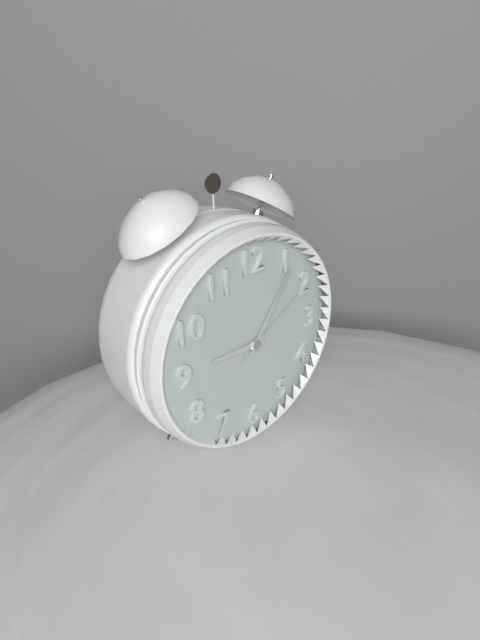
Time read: 9.06.10
